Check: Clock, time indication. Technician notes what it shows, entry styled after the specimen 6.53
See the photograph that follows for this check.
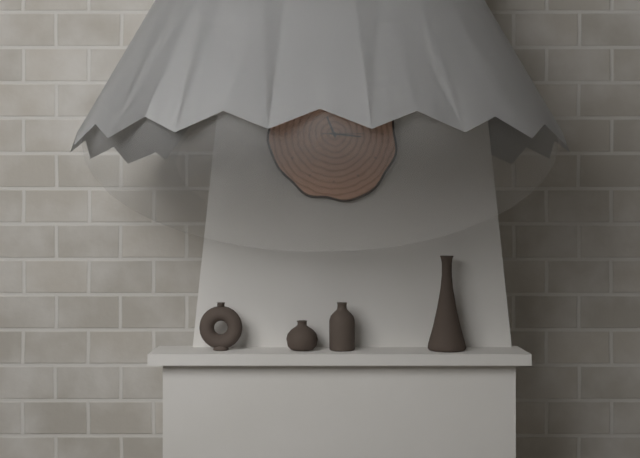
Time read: 11.16
